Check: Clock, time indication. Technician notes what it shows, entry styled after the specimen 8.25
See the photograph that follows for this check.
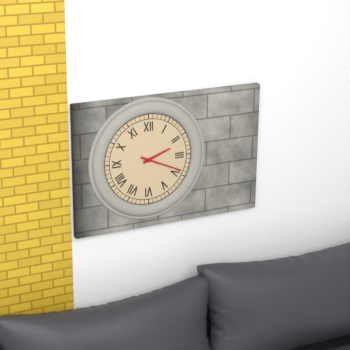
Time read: 2.19
